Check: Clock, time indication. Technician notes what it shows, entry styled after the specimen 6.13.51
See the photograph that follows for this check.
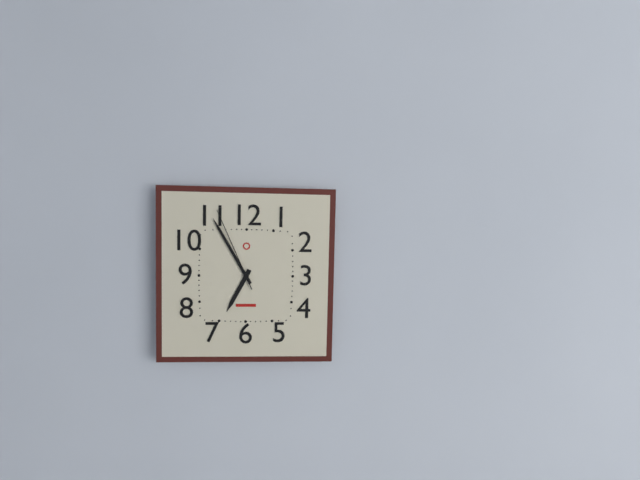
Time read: 6.55.56
